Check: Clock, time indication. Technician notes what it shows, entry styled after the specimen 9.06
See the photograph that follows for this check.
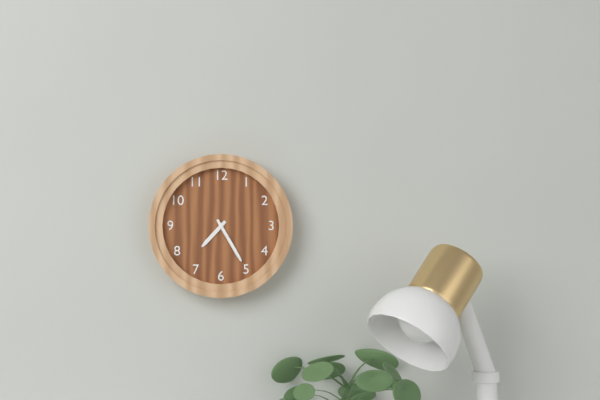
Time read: 7.25
